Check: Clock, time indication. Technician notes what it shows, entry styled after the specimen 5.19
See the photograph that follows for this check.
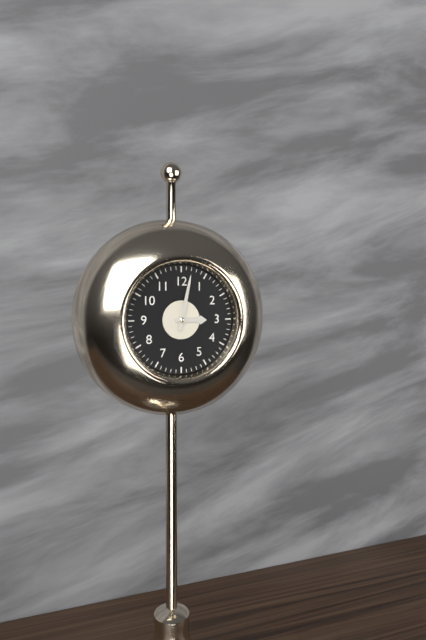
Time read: 3.02
